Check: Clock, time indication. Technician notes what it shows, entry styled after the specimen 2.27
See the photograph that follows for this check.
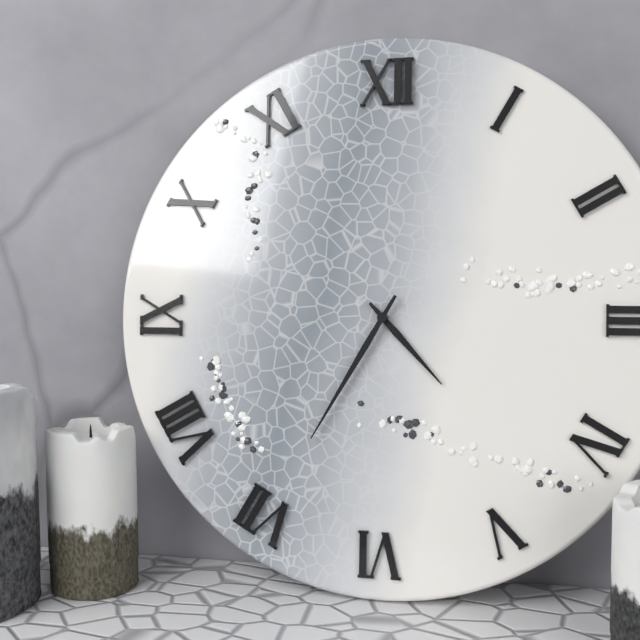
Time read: 4.35
